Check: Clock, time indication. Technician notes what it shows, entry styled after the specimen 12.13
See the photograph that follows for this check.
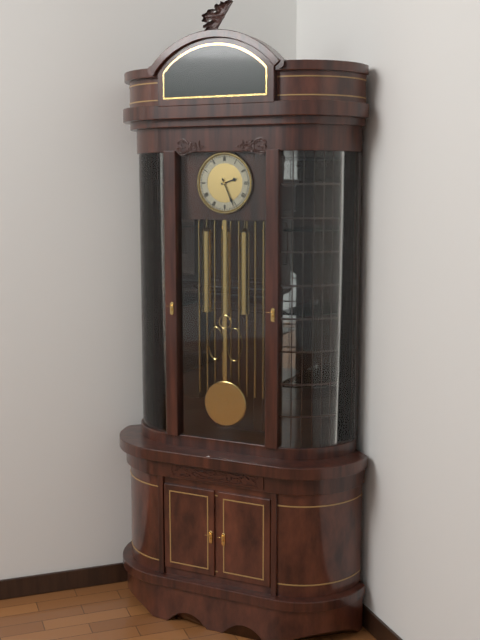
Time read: 2.26
